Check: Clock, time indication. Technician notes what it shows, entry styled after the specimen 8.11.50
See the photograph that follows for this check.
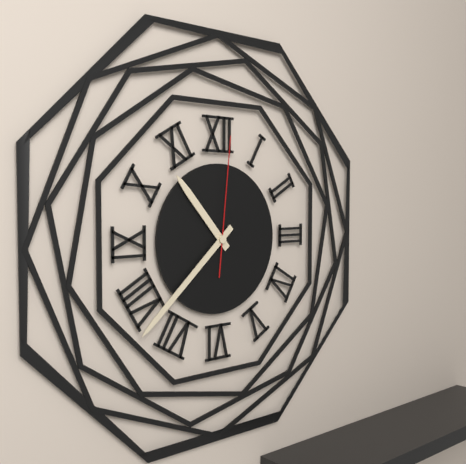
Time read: 10.38.01
